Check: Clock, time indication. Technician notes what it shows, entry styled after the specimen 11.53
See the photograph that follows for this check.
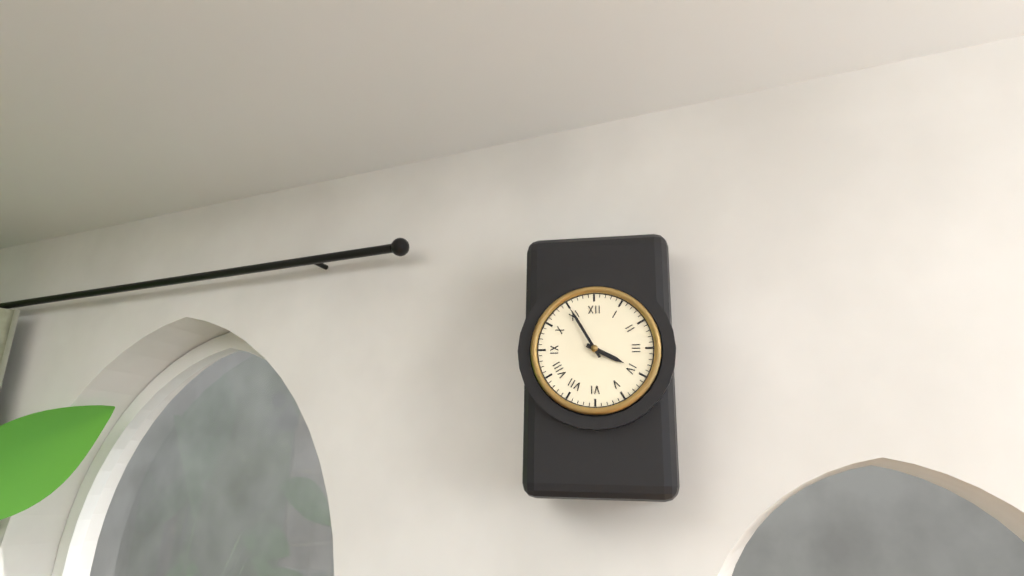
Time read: 3.55
